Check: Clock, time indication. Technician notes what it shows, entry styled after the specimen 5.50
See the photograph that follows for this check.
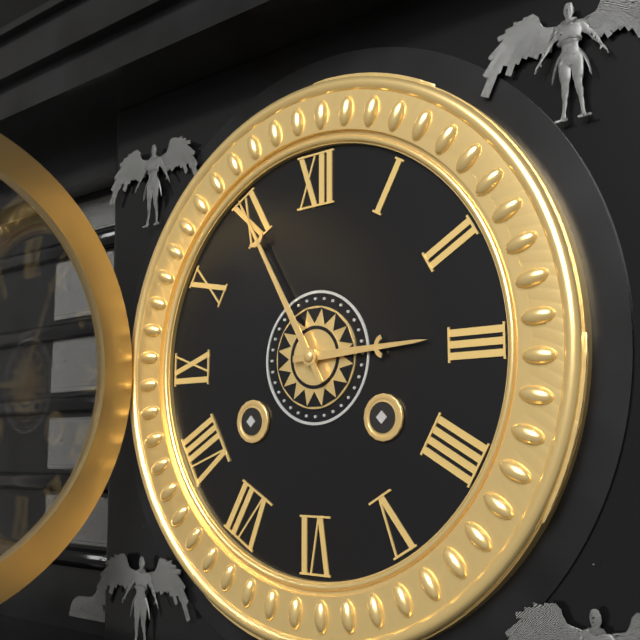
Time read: 2.55
